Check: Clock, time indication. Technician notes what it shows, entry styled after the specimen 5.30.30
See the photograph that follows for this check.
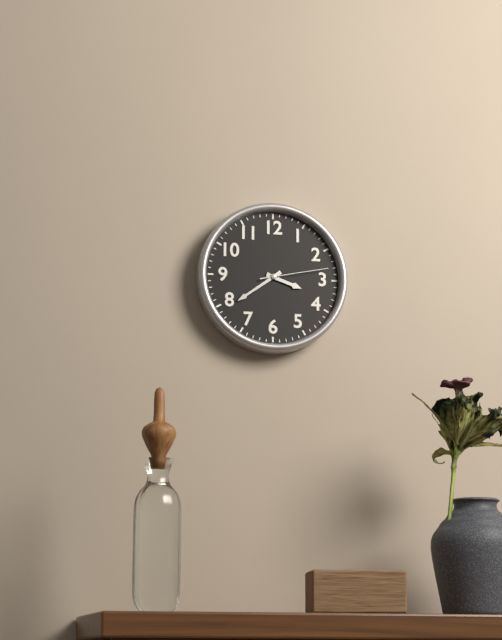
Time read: 3.39.13
